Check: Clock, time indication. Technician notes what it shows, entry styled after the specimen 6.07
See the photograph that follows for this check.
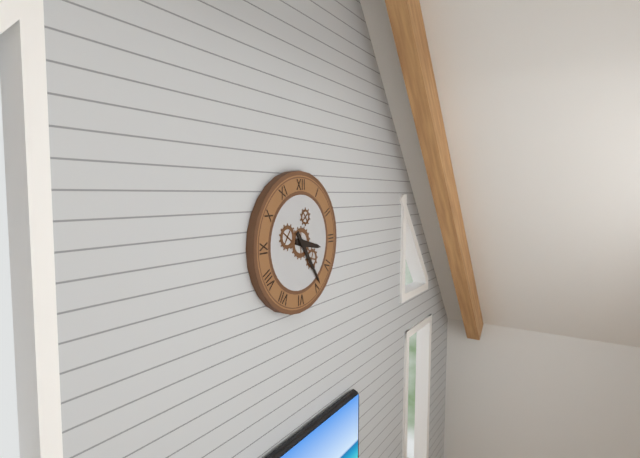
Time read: 3.24
